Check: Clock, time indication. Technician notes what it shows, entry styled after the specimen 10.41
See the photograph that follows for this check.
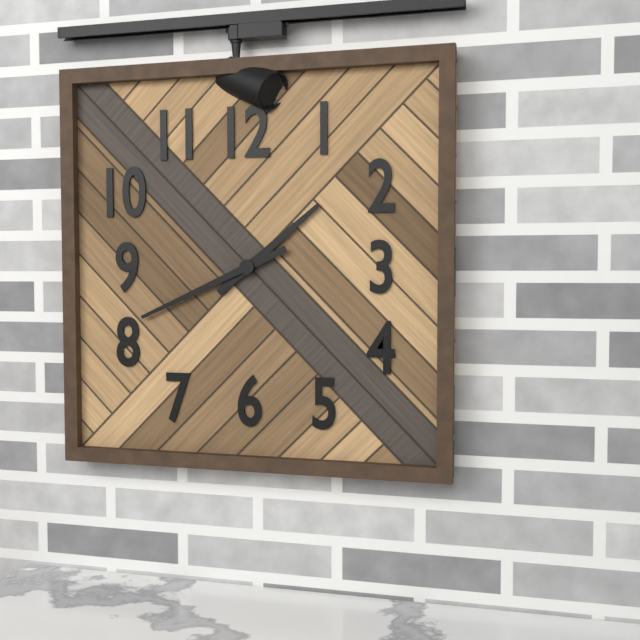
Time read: 1.41
